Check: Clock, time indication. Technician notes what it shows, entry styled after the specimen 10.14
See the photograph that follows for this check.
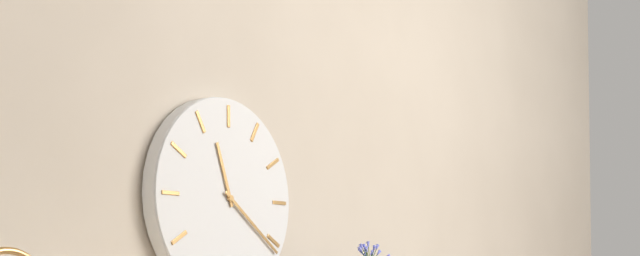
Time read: 11.21
